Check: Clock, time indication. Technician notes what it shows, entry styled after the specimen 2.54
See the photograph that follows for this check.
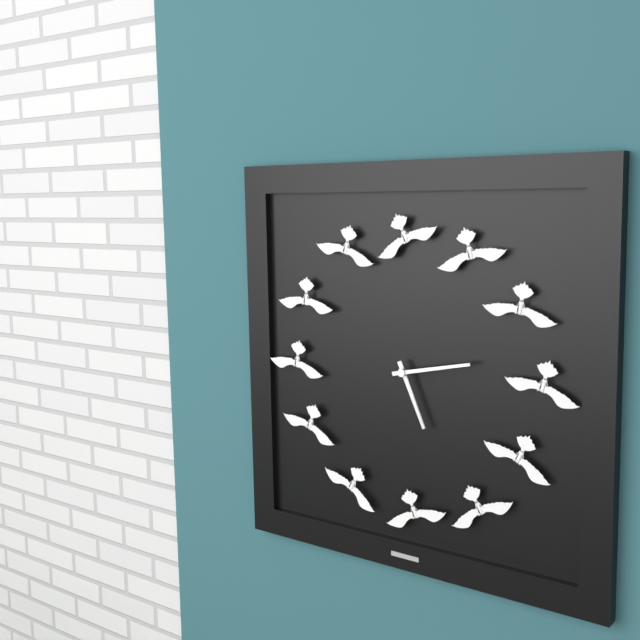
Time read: 5.13
